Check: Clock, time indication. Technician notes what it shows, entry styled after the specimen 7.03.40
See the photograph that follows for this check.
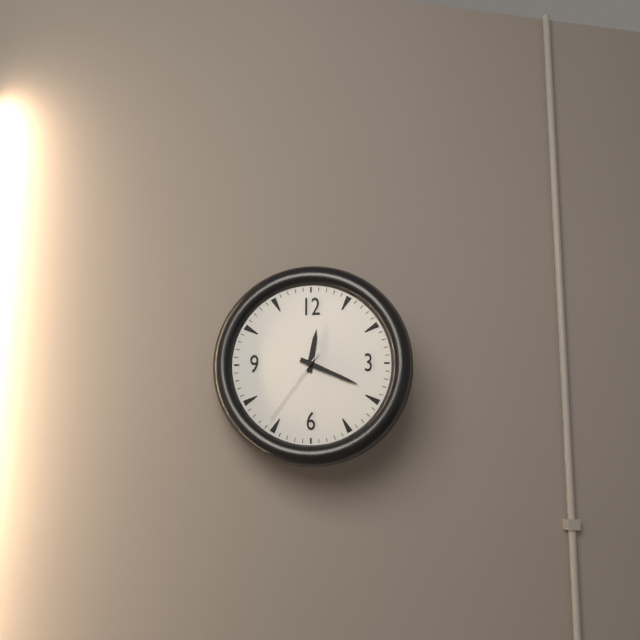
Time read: 12.19.36
